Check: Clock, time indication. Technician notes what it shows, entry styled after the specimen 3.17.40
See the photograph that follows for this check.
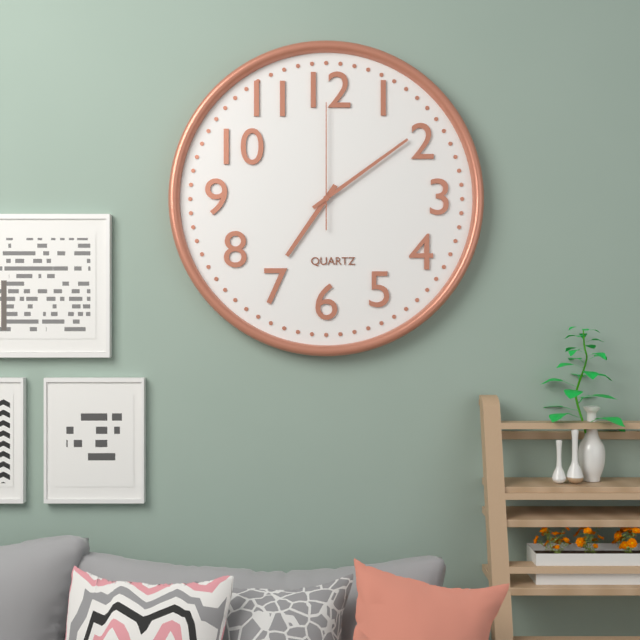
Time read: 7.09.00
